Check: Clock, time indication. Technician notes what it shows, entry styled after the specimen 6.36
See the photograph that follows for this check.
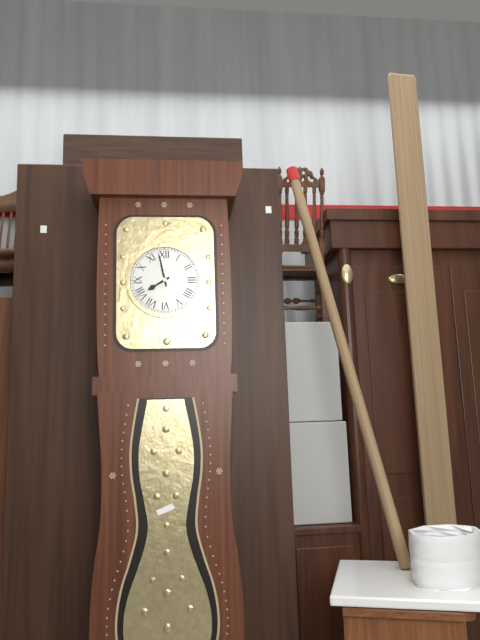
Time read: 7.58
